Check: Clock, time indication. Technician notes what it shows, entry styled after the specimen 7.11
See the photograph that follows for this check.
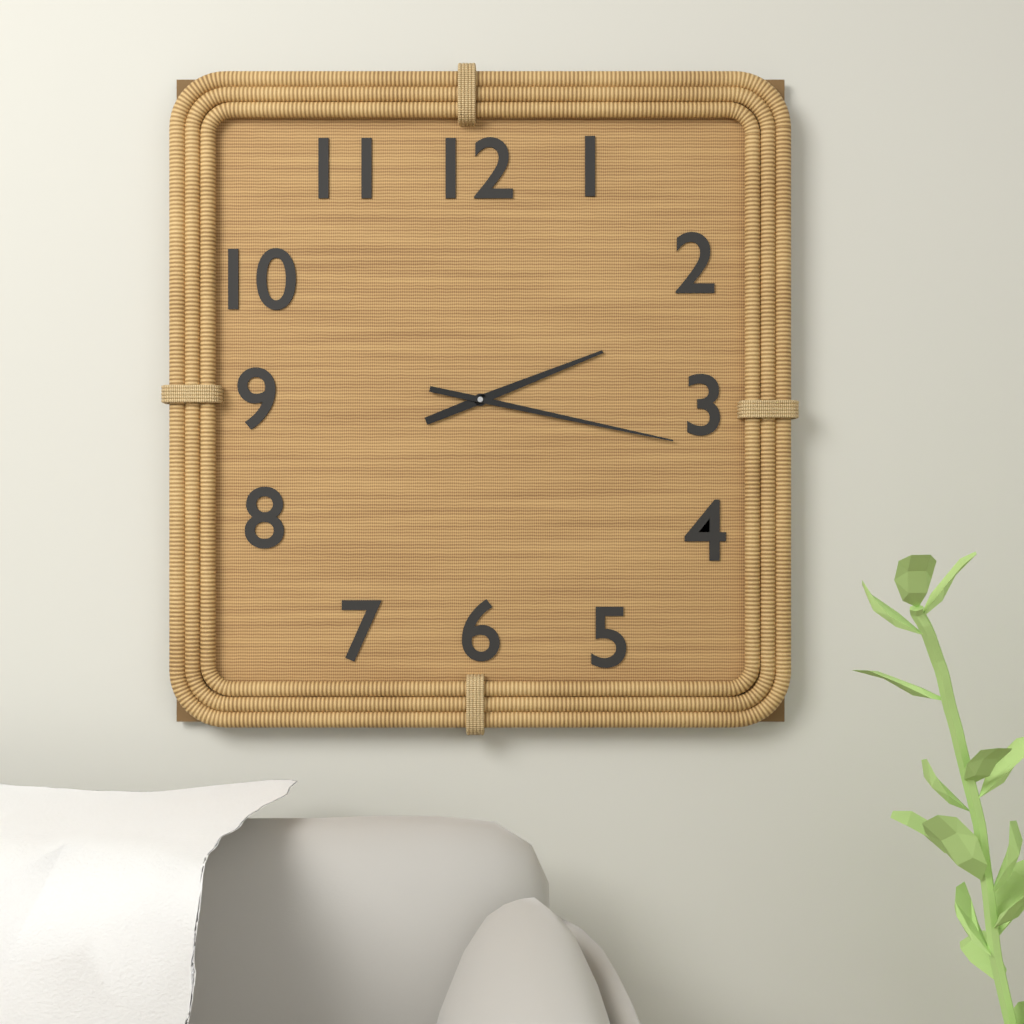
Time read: 2.17
